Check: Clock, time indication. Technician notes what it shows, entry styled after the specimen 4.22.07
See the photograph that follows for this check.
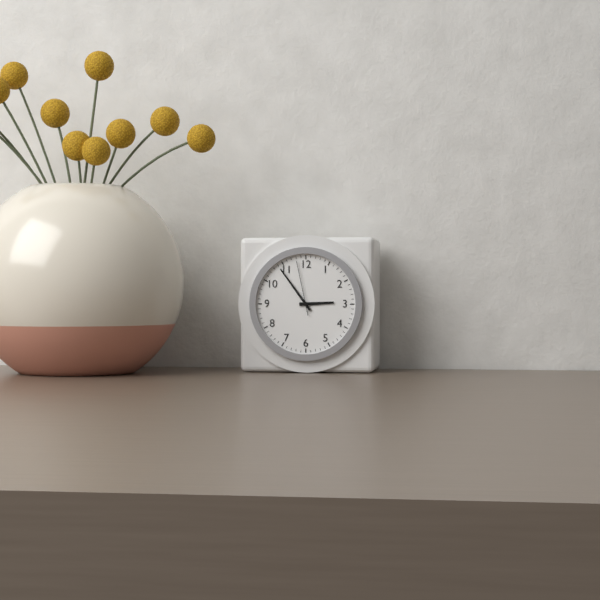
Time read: 2.54.58
